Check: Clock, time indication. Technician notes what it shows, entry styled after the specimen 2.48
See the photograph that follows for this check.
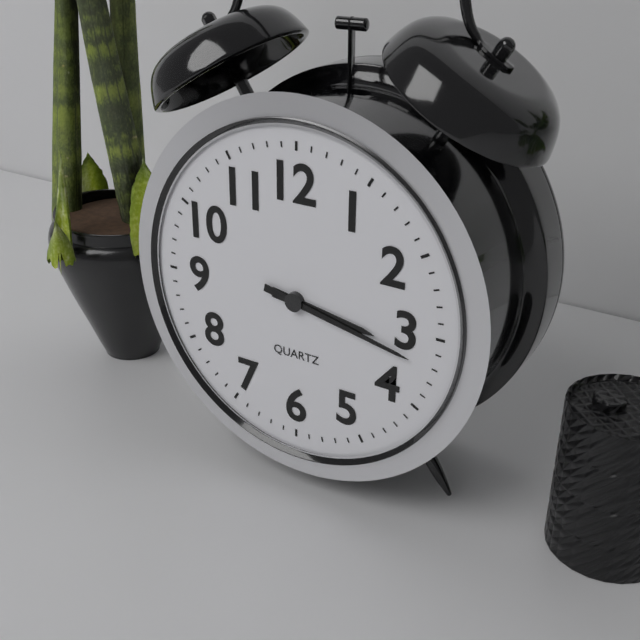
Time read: 3.17
